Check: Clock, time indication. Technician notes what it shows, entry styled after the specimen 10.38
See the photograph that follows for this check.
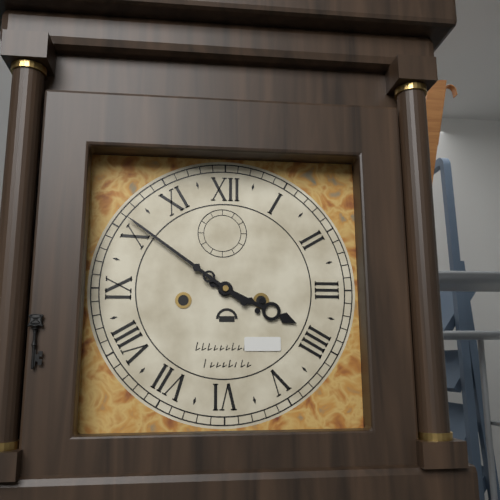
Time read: 3.51
